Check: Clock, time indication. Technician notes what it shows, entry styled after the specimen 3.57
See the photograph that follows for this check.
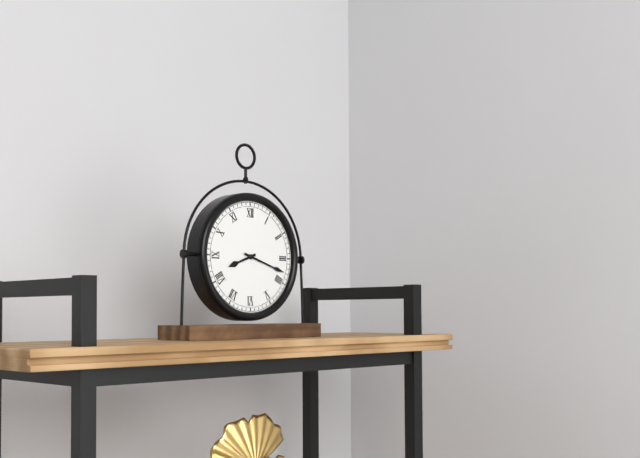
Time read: 8.18
